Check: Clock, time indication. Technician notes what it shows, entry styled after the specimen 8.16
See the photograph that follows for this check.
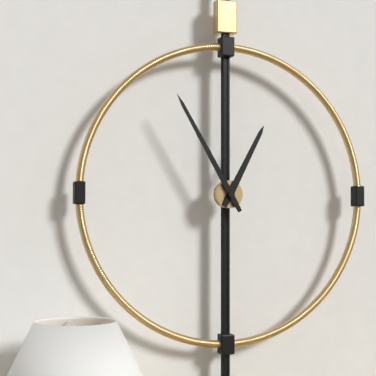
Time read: 12.55
